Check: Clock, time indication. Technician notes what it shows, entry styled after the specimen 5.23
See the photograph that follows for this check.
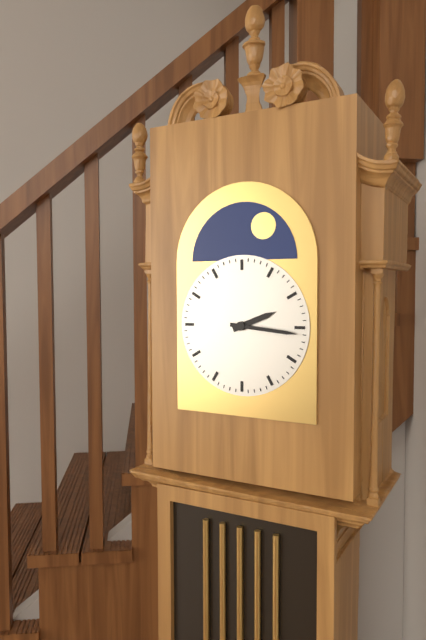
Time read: 2.16
